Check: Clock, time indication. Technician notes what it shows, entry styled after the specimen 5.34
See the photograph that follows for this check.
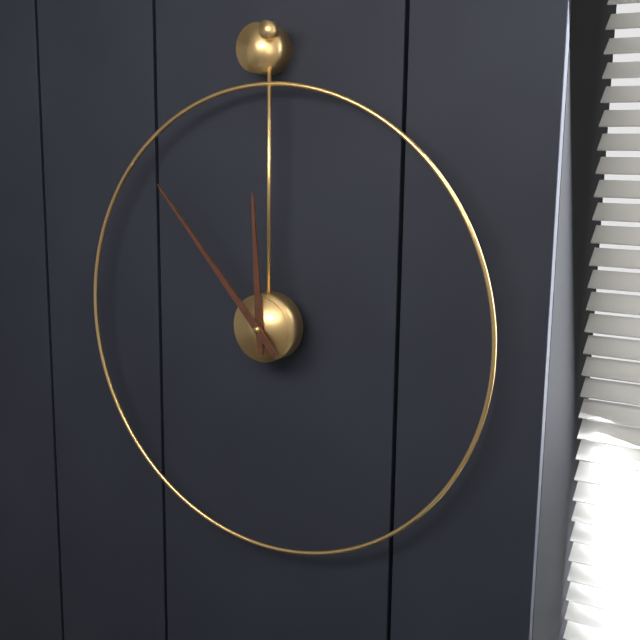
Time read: 11.53
